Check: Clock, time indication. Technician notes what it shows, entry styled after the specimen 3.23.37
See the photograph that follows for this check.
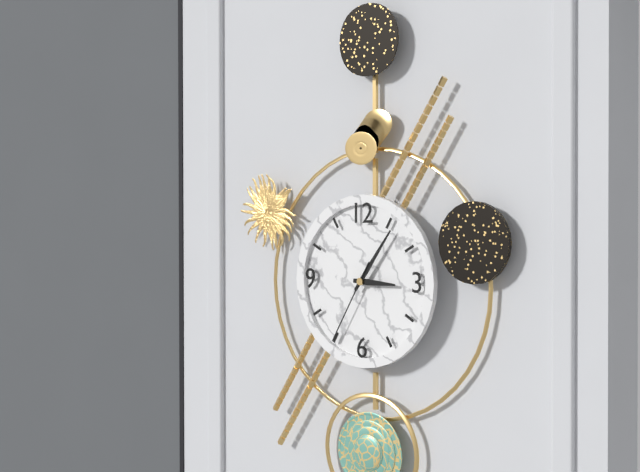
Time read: 3.06.35
